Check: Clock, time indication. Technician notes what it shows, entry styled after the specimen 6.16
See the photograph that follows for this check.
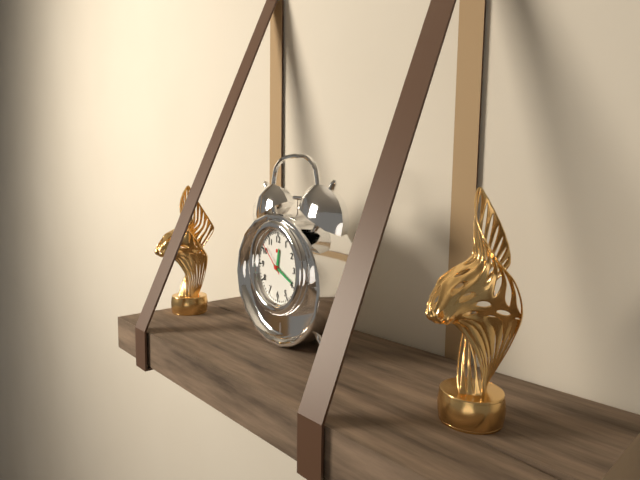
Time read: 12.19
